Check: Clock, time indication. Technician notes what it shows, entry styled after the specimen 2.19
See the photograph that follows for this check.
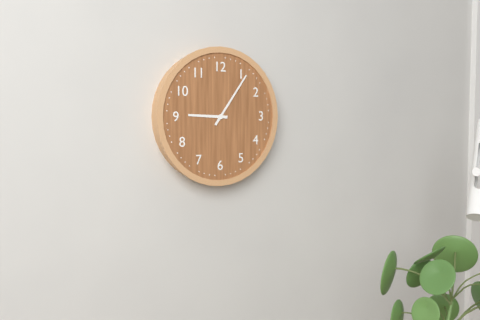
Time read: 9.06
